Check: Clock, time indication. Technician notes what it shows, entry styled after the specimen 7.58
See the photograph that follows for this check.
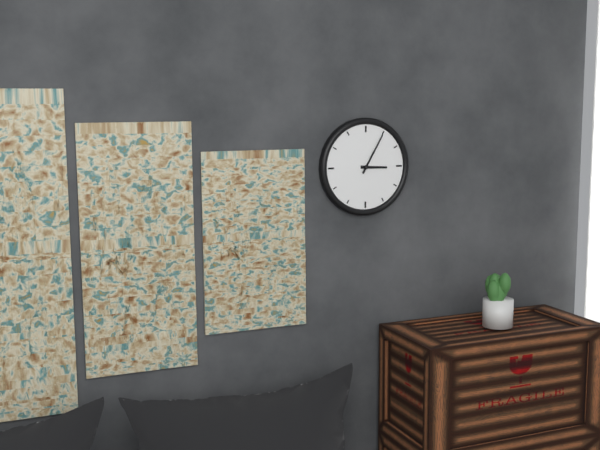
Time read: 3.05
